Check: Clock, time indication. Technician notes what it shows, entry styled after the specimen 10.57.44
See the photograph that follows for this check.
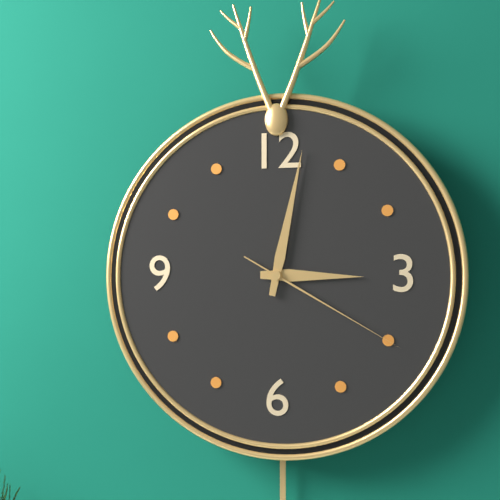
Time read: 3.02.20
